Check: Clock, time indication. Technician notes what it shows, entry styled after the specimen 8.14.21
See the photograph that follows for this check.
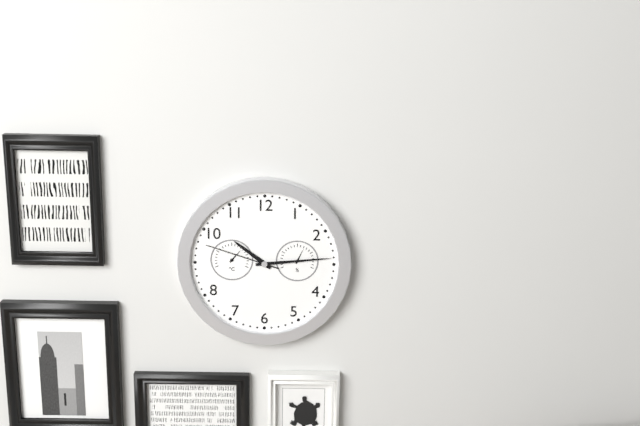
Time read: 10.14.48
